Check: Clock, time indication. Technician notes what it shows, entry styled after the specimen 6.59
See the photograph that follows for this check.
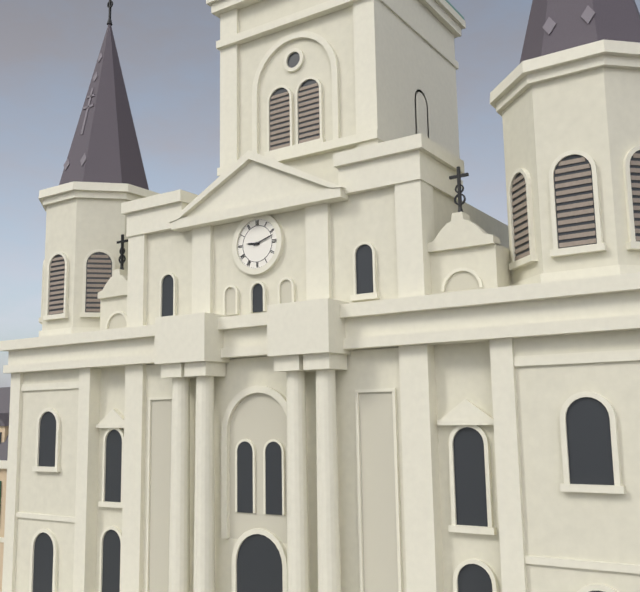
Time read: 9.12
